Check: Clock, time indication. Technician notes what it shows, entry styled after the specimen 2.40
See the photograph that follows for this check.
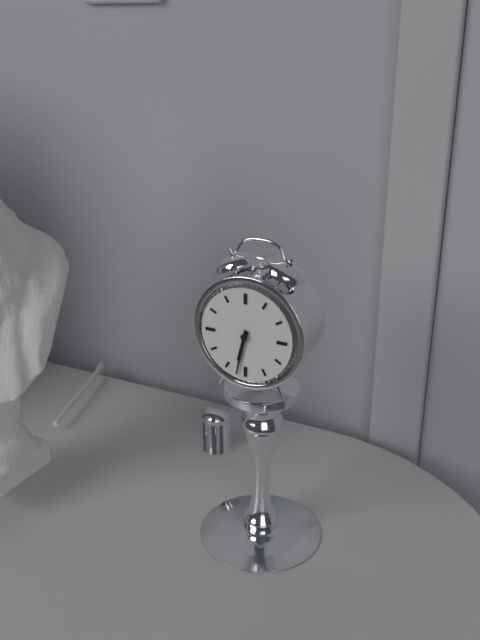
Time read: 6.32
